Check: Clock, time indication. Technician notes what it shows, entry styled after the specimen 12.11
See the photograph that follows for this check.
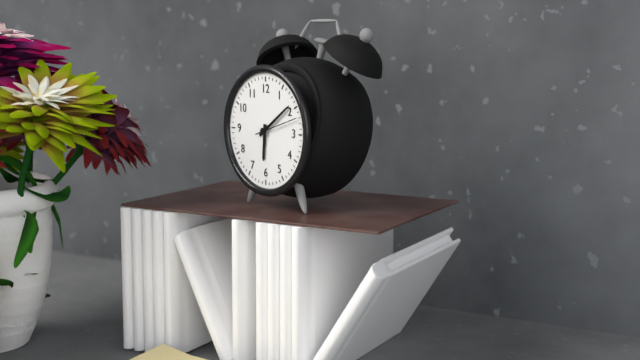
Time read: 6.09
